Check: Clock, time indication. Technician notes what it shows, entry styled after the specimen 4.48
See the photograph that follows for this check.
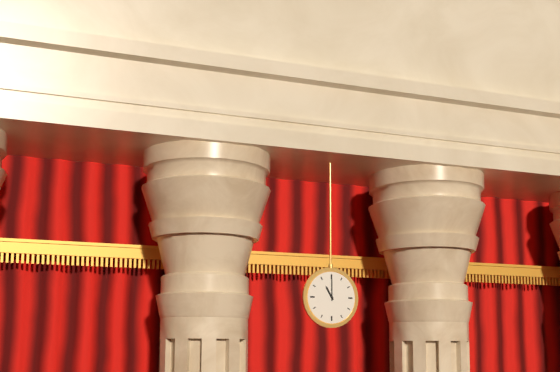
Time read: 11.00
